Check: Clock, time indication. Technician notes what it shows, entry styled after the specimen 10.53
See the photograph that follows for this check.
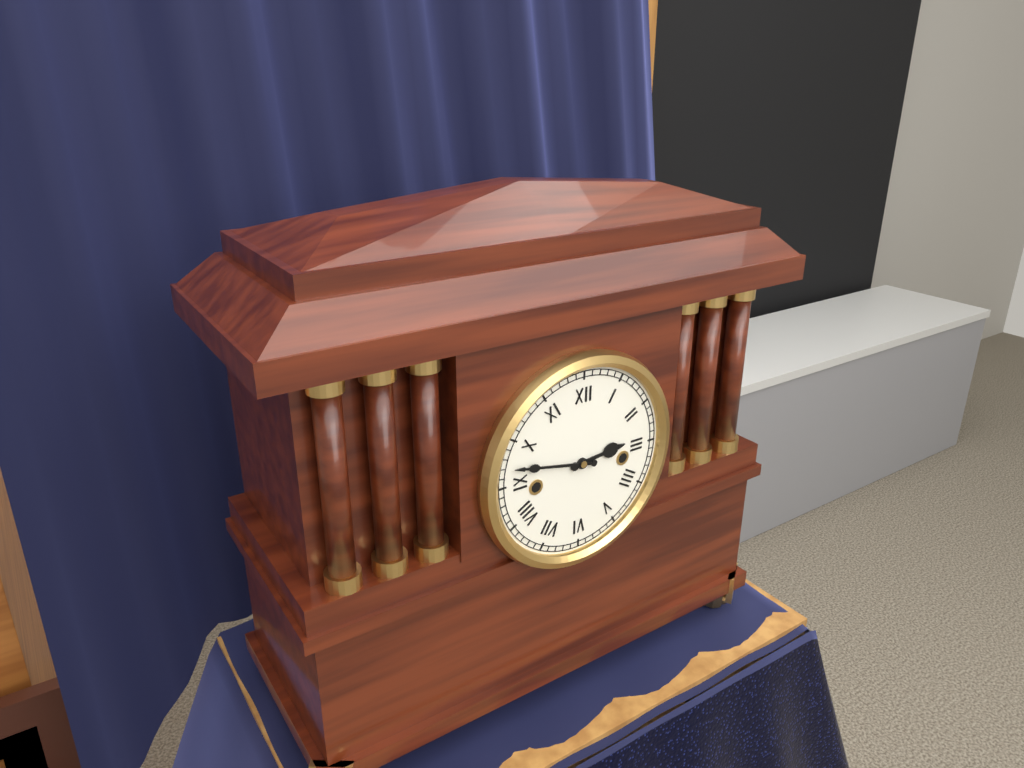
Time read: 2.47
